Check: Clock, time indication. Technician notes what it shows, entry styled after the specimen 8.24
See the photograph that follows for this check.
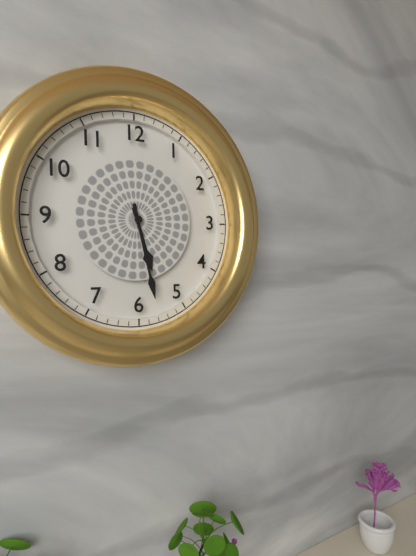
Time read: 5.28
